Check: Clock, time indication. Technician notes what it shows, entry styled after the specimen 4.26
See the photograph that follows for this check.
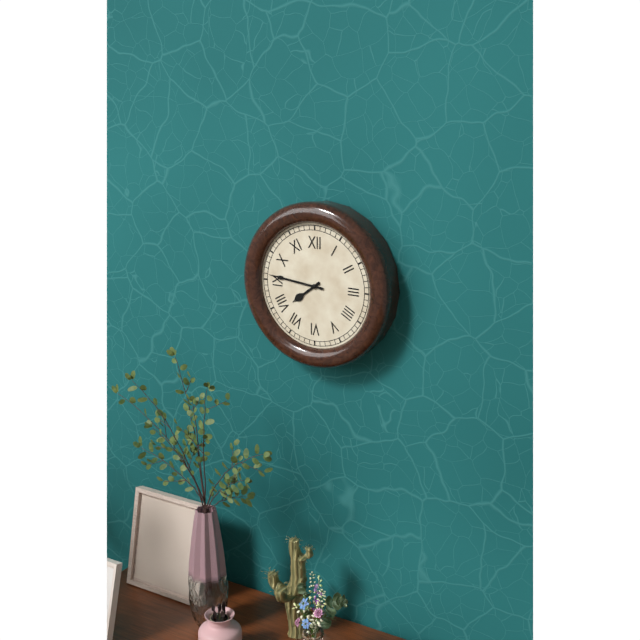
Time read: 7.46
